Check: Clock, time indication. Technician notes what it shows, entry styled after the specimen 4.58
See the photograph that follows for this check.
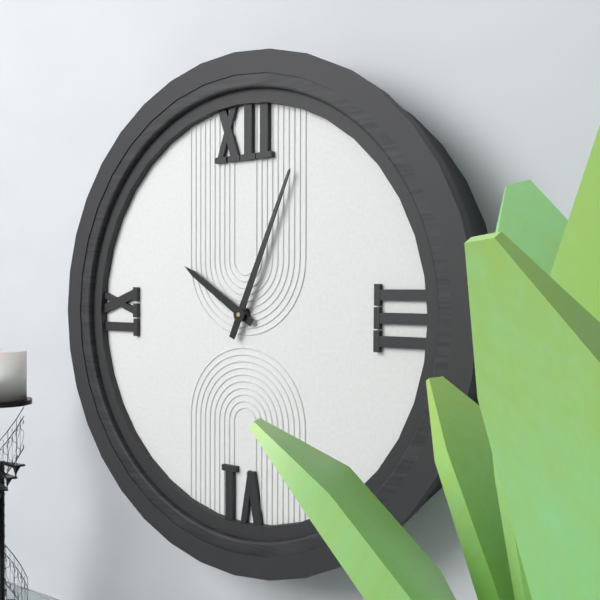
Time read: 10.04
